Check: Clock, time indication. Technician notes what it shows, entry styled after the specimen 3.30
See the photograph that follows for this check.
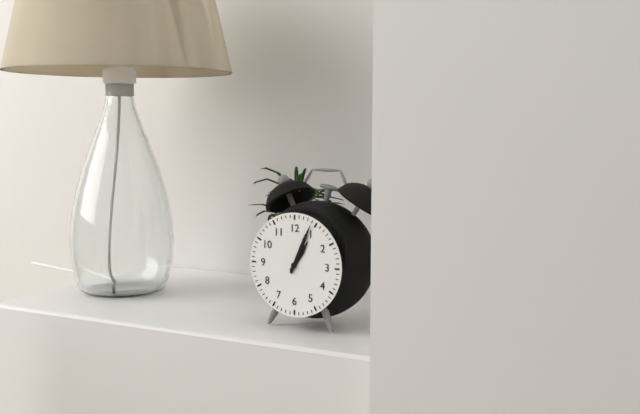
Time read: 1.04
